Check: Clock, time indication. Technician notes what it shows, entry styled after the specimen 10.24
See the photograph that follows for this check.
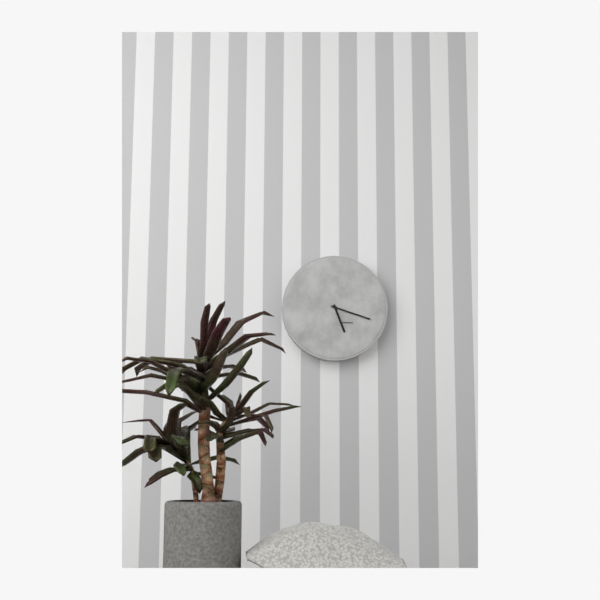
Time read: 5.18
